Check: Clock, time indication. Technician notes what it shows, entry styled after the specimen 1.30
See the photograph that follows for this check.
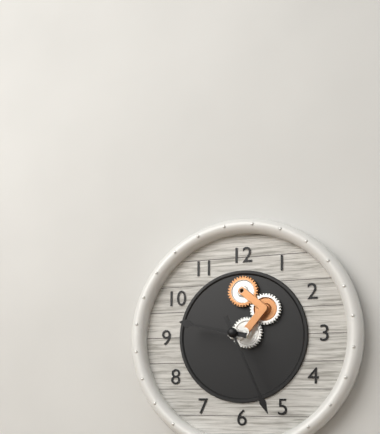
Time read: 9.26
